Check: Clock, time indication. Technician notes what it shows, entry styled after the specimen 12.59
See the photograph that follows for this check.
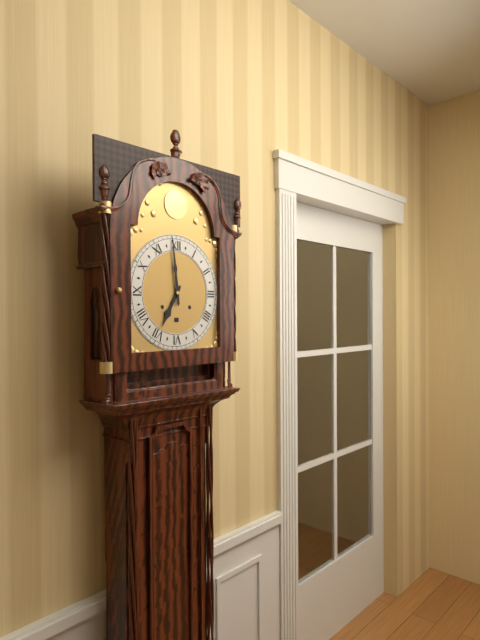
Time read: 6.59
